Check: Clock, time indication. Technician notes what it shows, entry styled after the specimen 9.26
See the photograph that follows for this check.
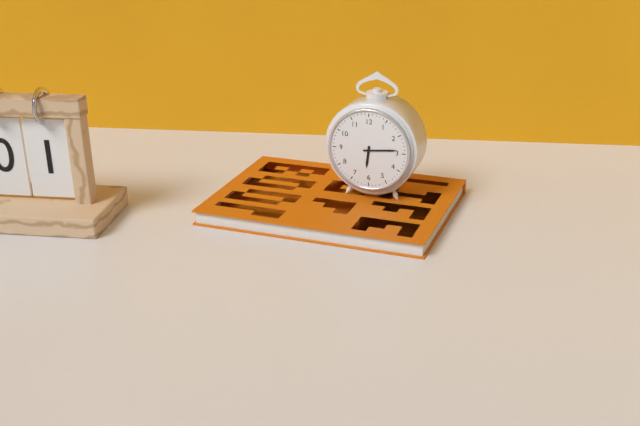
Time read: 6.14
